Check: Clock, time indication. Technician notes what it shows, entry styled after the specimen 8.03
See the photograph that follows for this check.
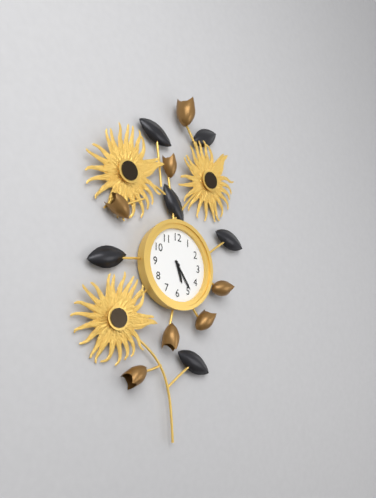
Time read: 5.24
